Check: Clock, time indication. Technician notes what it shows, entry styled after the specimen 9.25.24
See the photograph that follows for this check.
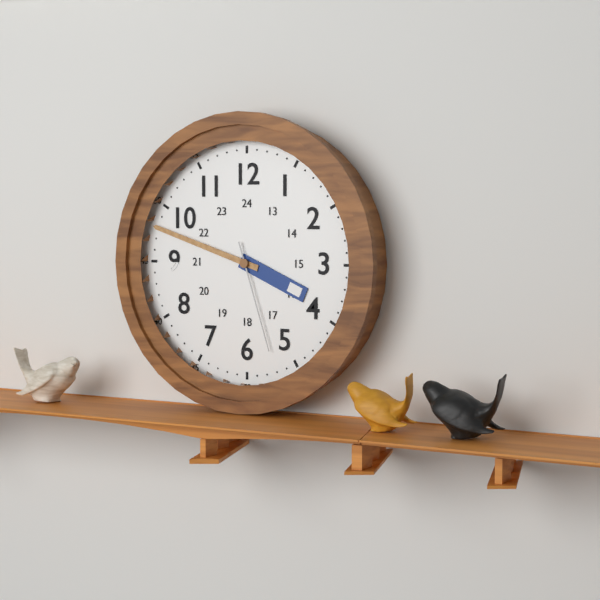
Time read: 3.48.27
